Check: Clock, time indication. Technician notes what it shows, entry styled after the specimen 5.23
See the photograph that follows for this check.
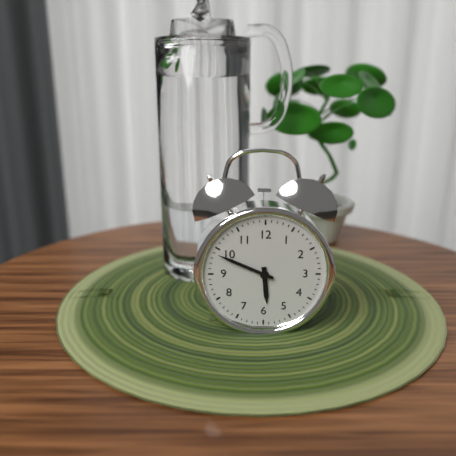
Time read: 5.49
